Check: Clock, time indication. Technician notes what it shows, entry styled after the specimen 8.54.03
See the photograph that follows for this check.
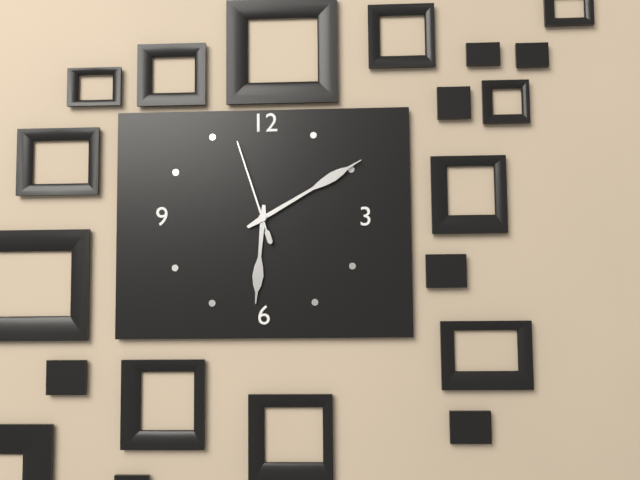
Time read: 6.10.57
